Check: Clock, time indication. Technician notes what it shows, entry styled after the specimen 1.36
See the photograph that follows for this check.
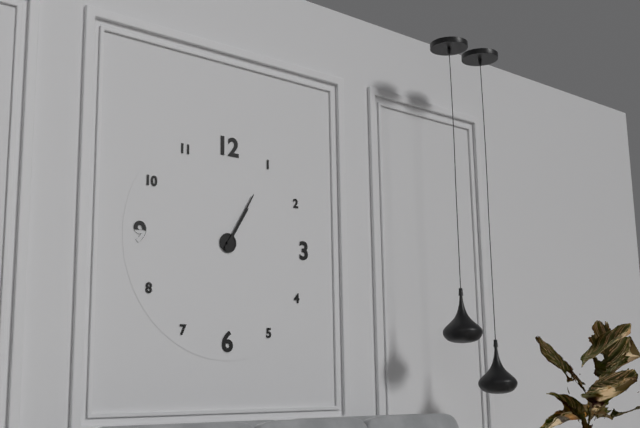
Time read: 1.05
